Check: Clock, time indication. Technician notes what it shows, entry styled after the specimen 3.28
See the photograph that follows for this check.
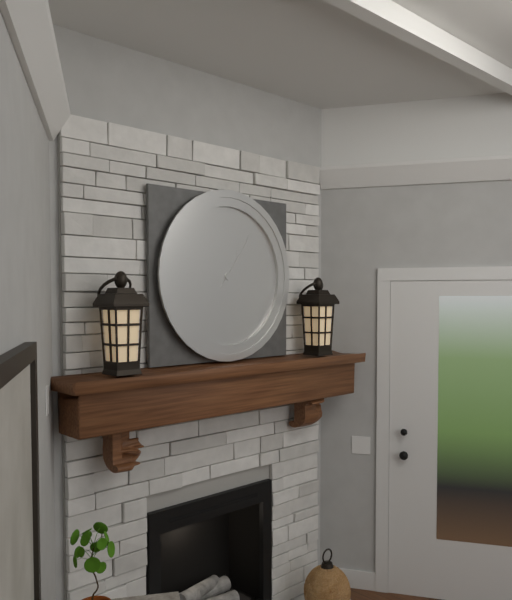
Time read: 1.06
